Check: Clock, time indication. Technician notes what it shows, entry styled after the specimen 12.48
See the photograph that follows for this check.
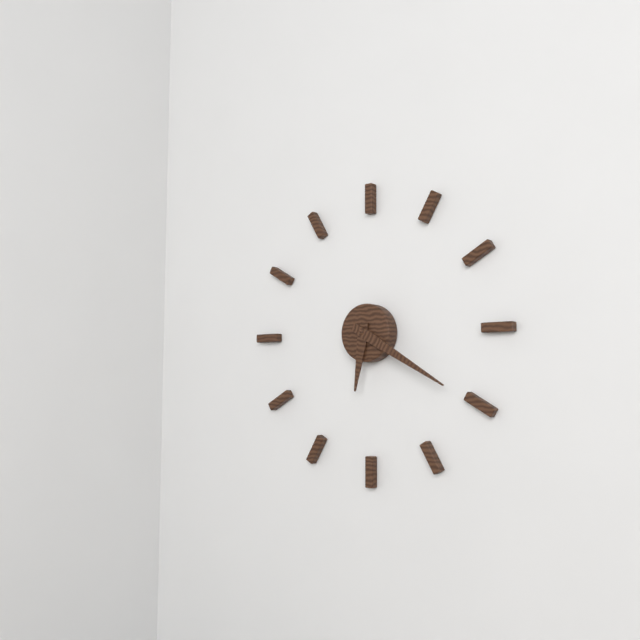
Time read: 6.20
